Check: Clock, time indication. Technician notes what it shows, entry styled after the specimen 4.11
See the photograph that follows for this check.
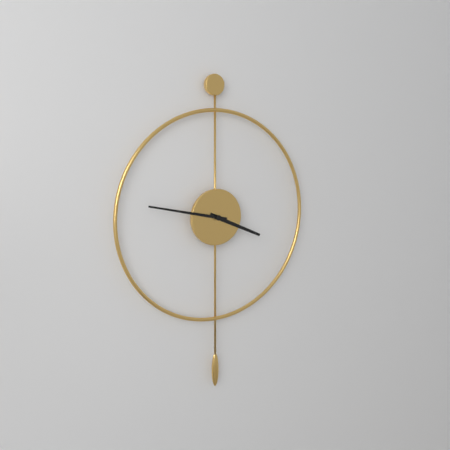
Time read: 3.47
